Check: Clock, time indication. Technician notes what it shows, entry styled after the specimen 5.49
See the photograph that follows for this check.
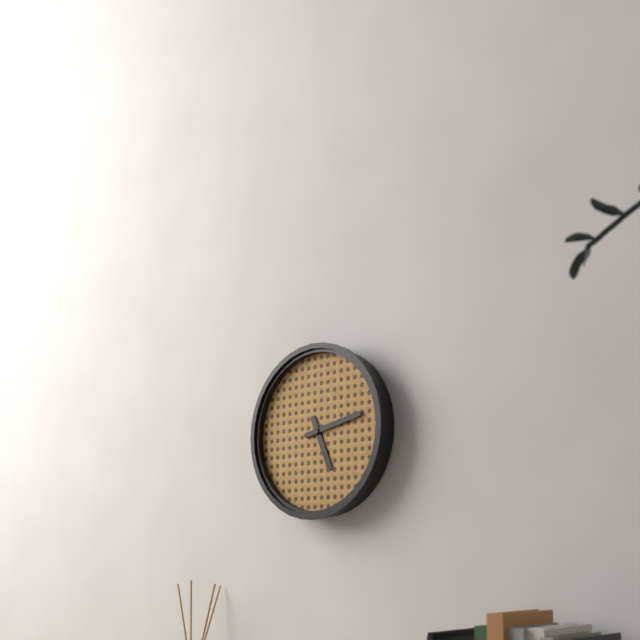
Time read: 5.13
